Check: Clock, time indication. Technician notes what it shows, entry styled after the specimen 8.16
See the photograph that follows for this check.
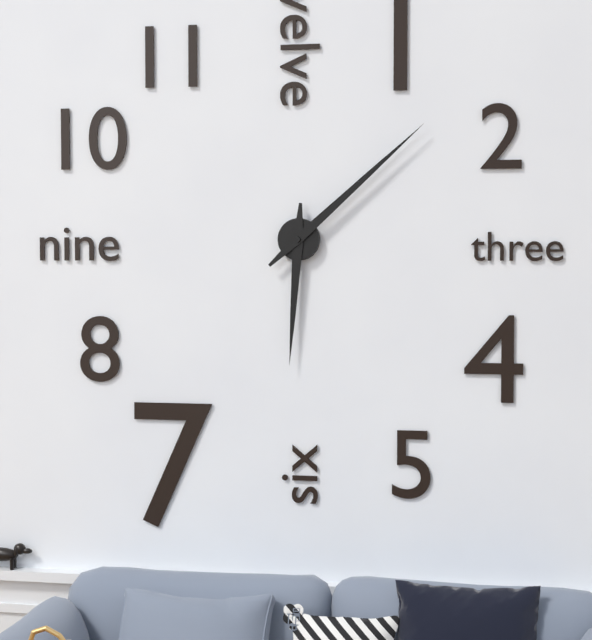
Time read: 6.08
